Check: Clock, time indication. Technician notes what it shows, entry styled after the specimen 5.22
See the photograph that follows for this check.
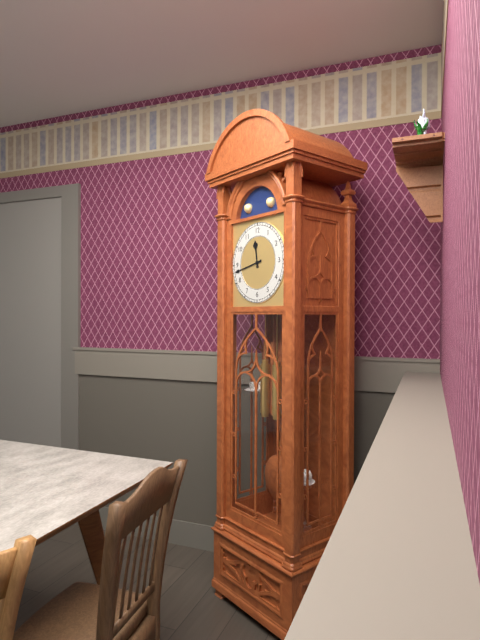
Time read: 11.43
